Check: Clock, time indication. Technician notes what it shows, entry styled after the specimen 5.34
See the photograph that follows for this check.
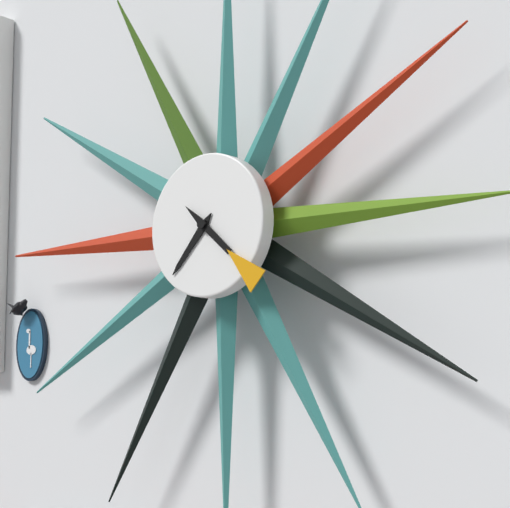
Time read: 7.22
